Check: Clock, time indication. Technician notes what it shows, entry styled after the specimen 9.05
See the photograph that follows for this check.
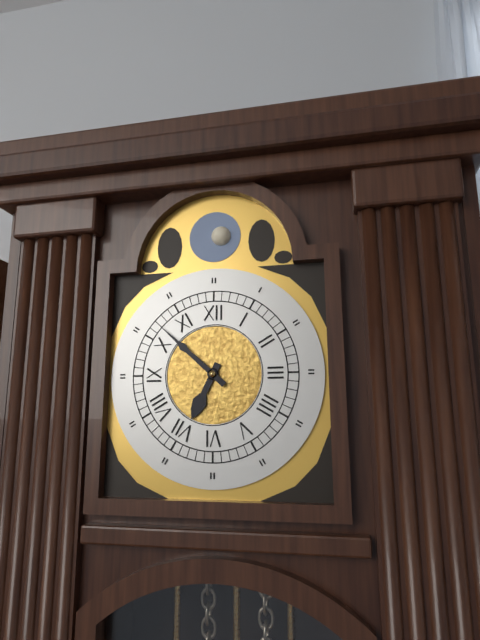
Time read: 6.52
